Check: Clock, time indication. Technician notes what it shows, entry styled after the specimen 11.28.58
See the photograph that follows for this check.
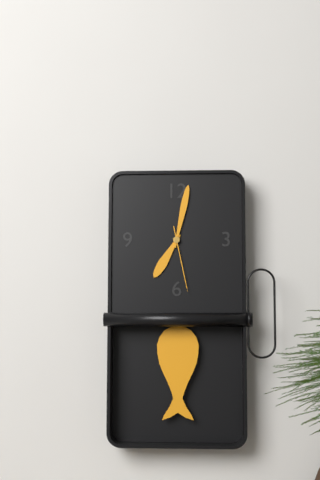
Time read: 7.02.28
